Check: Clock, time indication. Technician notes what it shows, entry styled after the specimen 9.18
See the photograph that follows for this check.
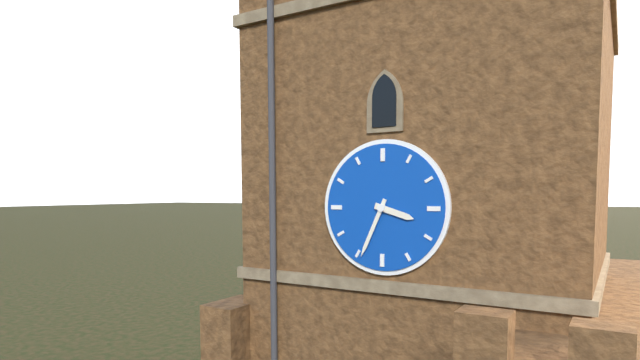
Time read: 3.34
